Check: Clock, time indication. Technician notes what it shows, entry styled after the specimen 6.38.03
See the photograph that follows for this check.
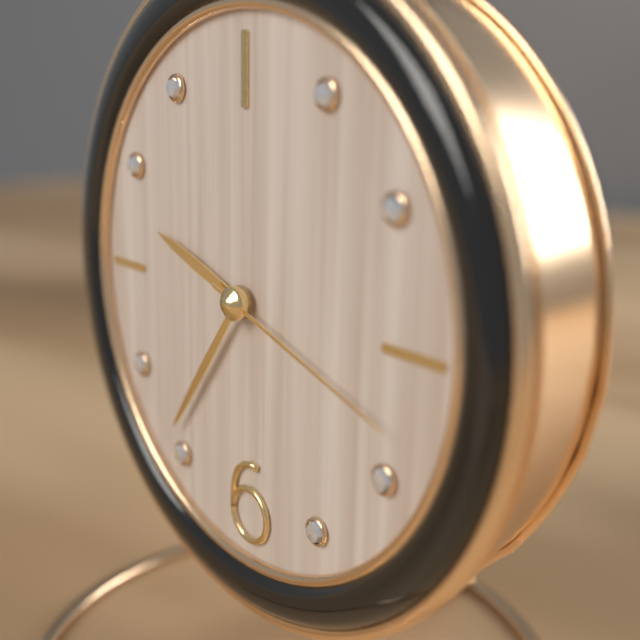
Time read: 9.36.18
